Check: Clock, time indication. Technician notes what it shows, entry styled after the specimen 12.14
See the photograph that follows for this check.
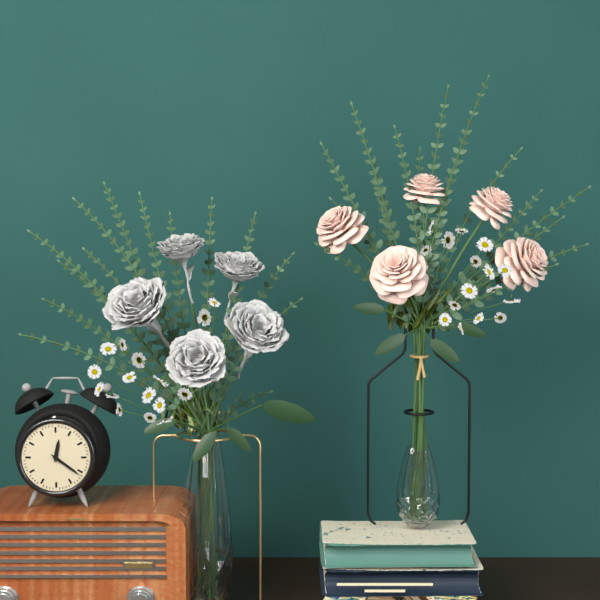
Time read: 12.21
